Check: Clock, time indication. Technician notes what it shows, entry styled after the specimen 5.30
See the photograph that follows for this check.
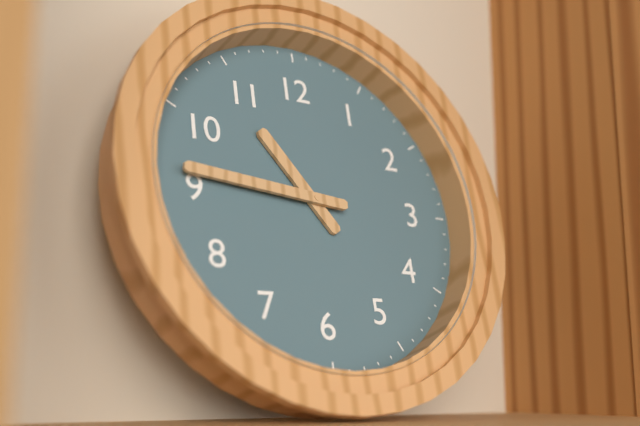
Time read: 10.46
